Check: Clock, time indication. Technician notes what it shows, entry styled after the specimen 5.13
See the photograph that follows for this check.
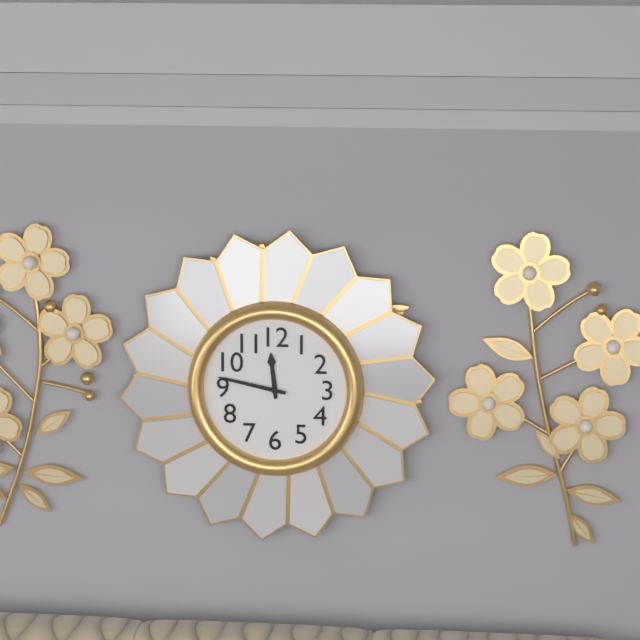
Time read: 11.47
